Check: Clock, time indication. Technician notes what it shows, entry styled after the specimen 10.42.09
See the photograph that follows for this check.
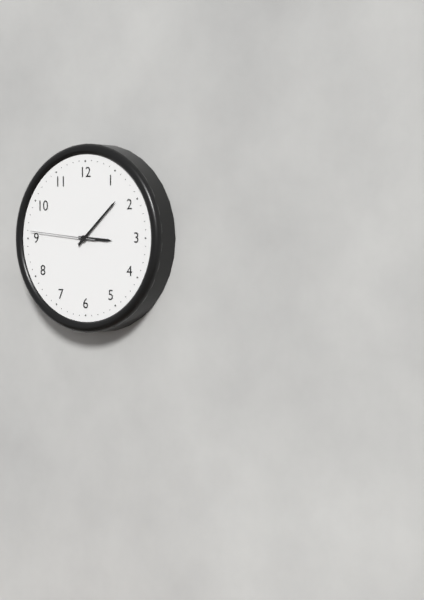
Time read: 3.08.46
